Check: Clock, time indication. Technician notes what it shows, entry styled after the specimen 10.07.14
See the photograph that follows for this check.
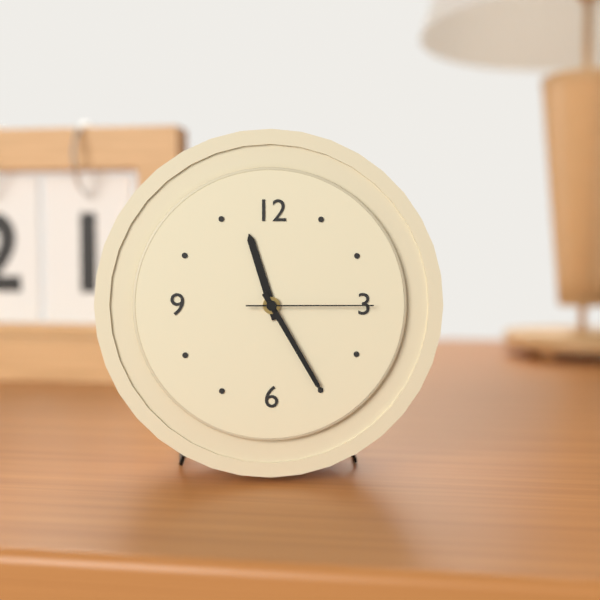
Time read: 11.25.15
